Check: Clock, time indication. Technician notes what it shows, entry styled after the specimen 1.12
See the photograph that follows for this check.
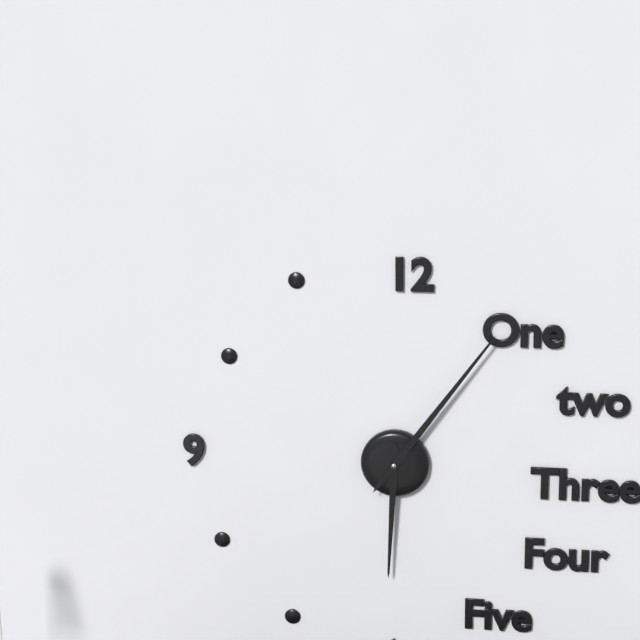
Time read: 6.06
